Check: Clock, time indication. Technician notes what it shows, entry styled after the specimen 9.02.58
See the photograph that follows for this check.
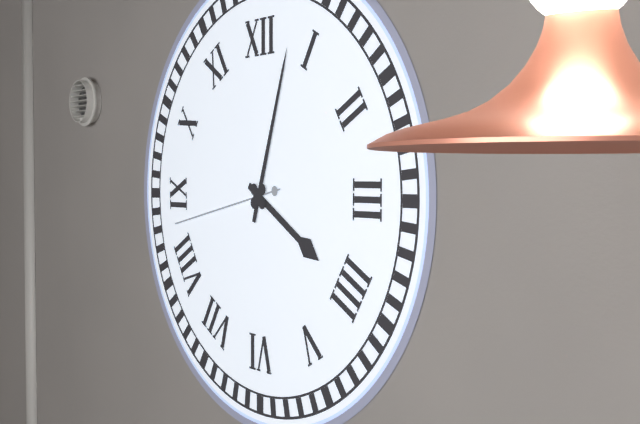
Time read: 4.03.43
